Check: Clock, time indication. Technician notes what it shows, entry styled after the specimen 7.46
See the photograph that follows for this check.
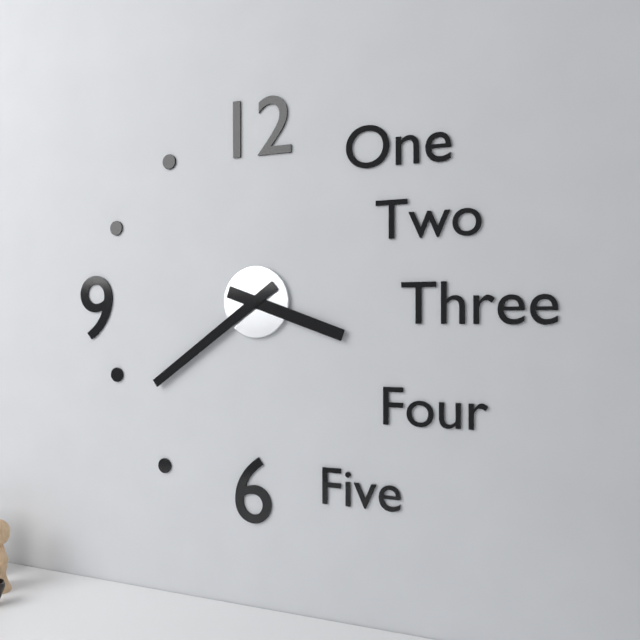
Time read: 3.39
